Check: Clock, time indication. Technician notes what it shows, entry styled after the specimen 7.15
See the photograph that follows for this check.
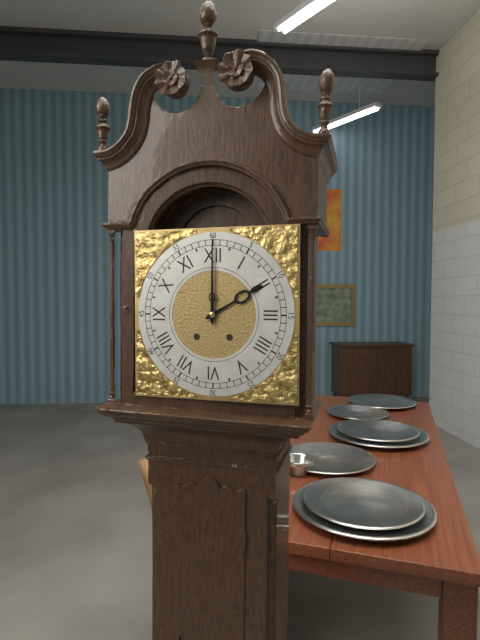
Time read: 2.00
